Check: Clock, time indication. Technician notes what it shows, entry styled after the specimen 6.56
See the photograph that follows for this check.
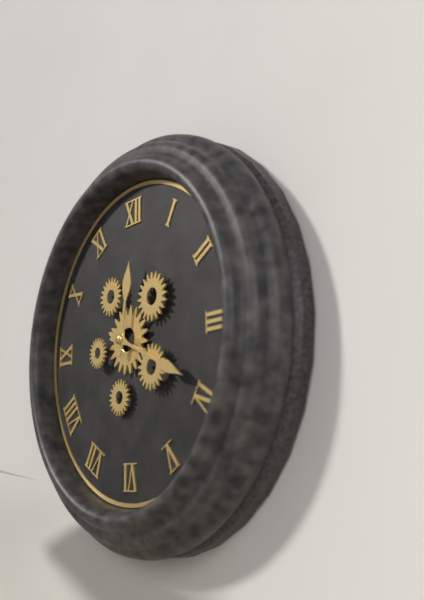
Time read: 12.19
